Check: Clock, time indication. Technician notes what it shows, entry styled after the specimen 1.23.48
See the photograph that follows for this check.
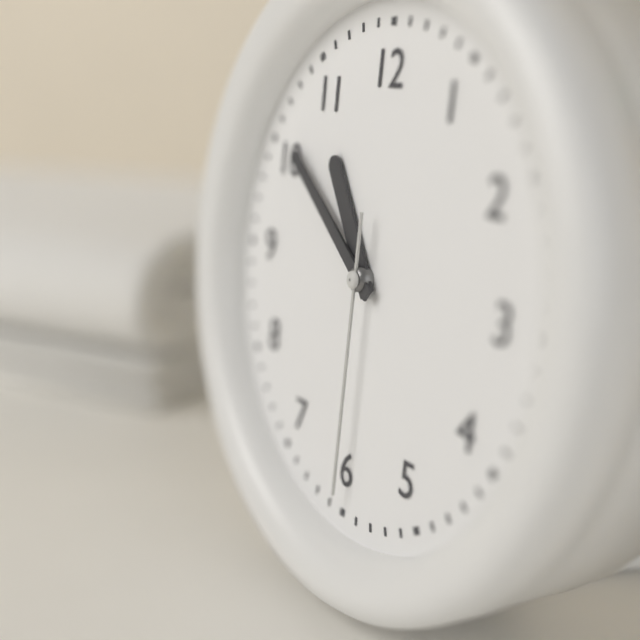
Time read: 10.51.30
